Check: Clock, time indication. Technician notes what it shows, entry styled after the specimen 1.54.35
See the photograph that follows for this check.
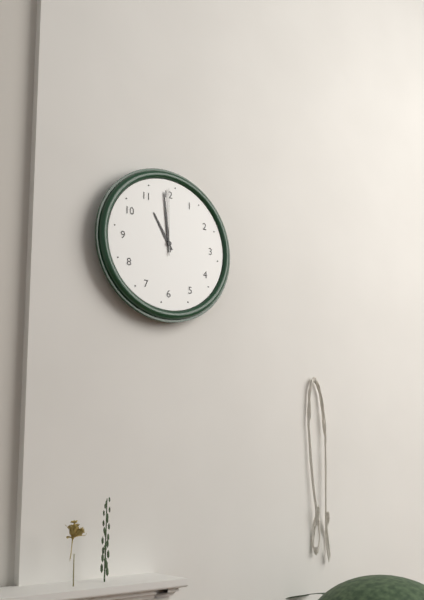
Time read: 10.59.00
